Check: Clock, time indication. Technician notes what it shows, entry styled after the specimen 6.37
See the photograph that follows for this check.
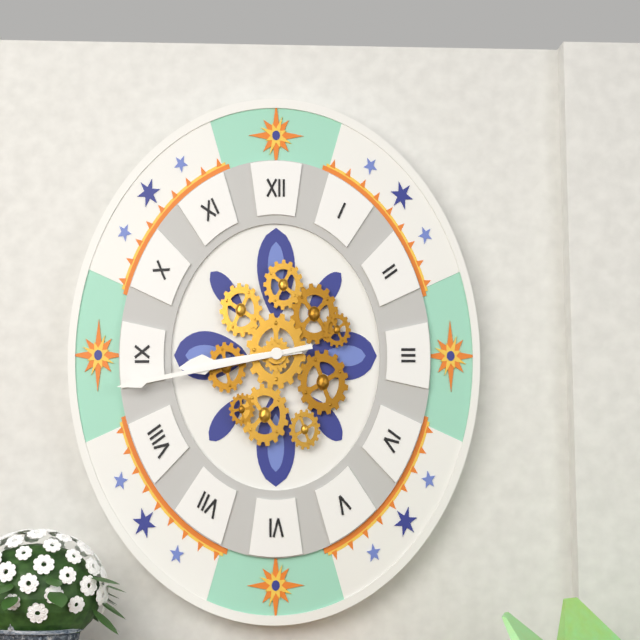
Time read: 8.43
